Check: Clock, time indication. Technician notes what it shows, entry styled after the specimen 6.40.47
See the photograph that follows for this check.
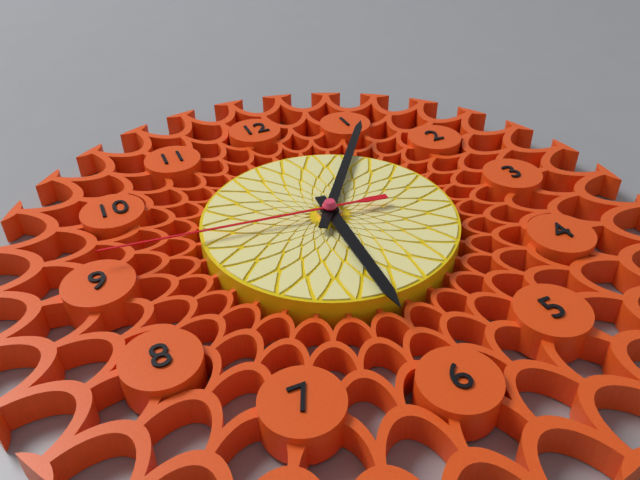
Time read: 6.06.46
